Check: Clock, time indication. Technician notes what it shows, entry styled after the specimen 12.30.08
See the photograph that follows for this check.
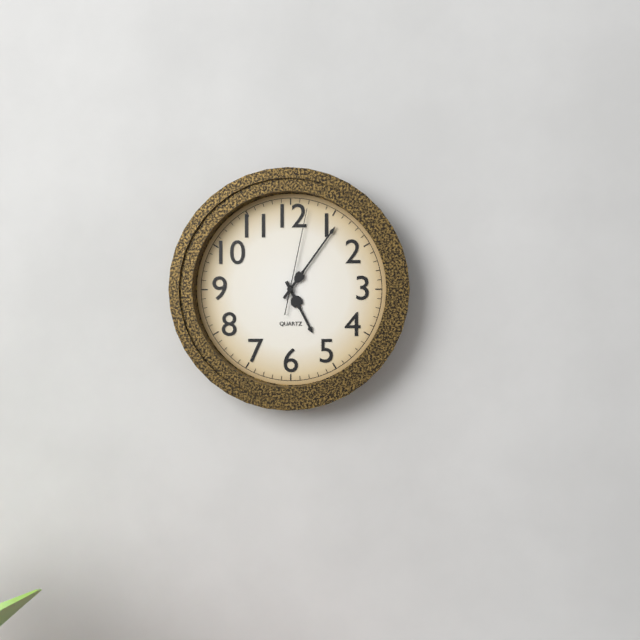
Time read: 5.06.02
